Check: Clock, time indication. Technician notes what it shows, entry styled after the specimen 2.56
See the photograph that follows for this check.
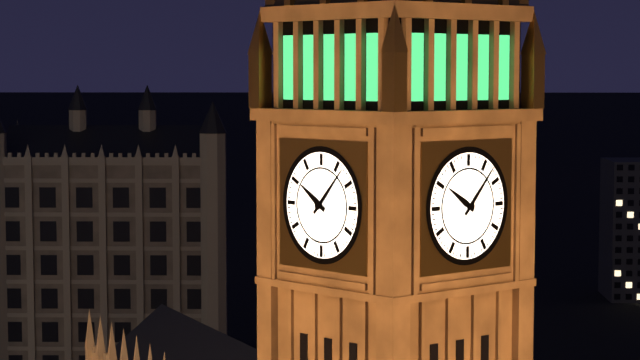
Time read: 10.07
